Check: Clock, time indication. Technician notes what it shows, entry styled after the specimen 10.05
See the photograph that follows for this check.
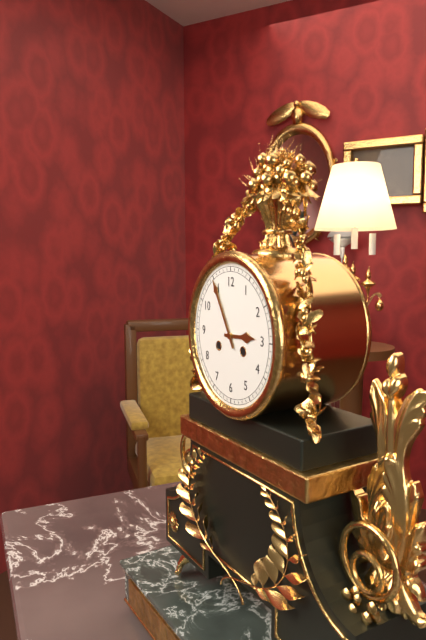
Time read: 2.55
